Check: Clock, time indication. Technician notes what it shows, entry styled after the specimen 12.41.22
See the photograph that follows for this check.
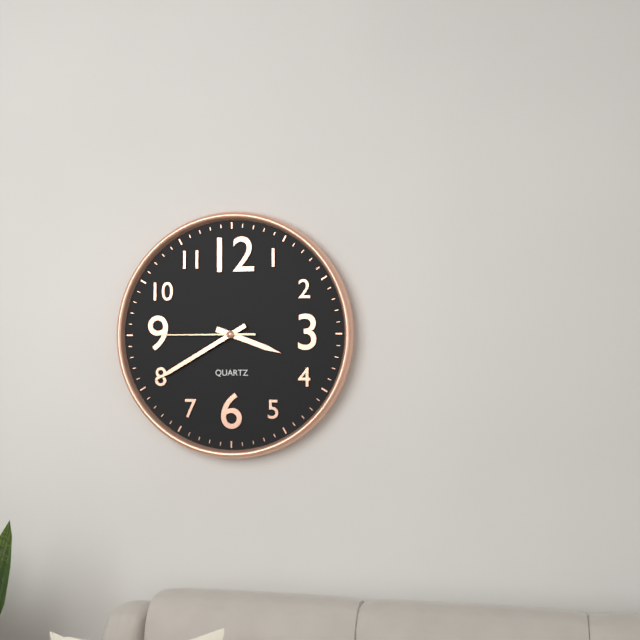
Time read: 3.40.45
